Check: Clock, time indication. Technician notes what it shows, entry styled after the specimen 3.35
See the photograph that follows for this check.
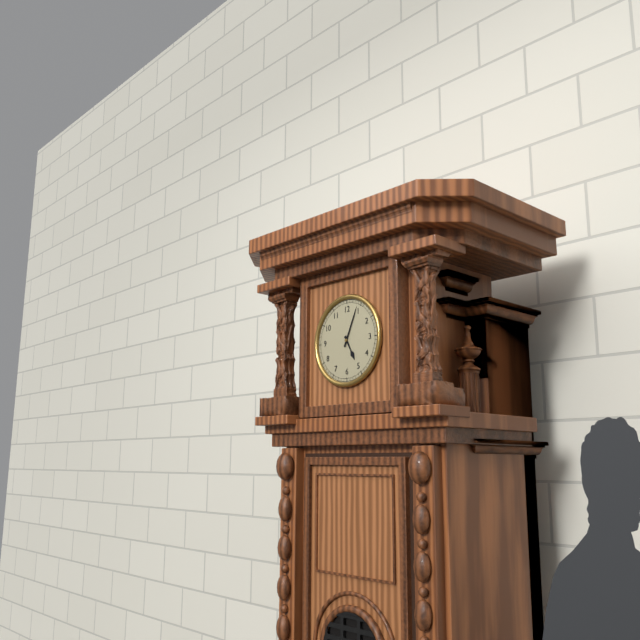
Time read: 5.04
